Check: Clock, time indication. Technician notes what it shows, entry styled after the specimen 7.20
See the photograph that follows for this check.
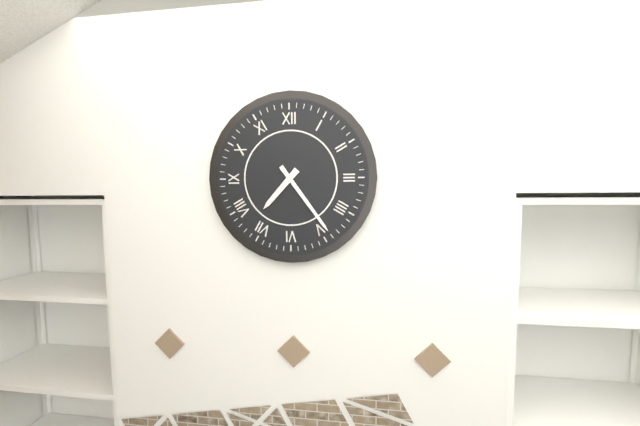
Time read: 7.24
